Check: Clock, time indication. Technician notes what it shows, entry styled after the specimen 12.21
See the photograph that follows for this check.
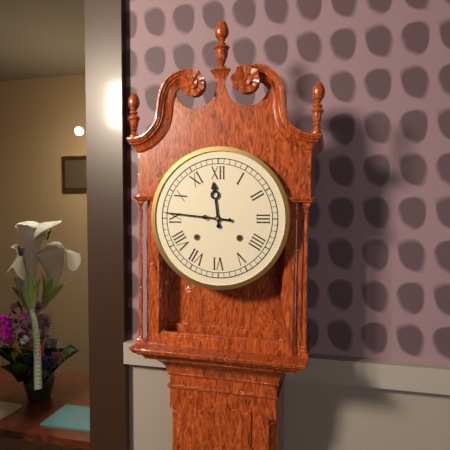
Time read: 11.46
